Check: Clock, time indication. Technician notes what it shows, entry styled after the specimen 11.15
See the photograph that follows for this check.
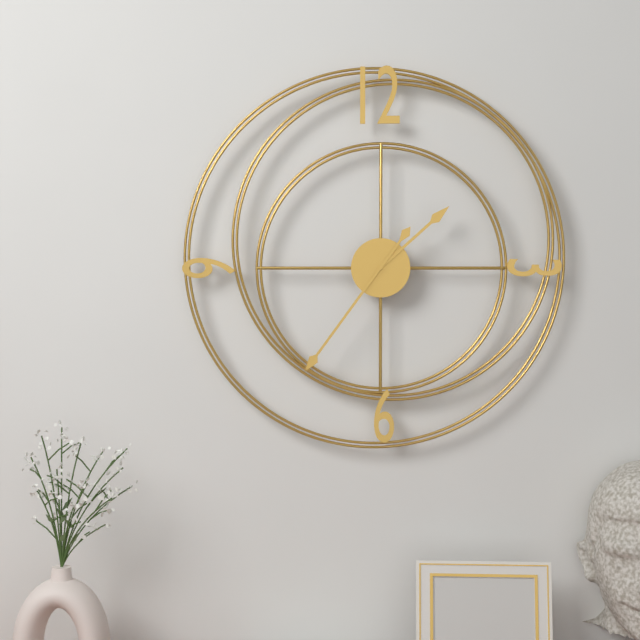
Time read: 1.36
